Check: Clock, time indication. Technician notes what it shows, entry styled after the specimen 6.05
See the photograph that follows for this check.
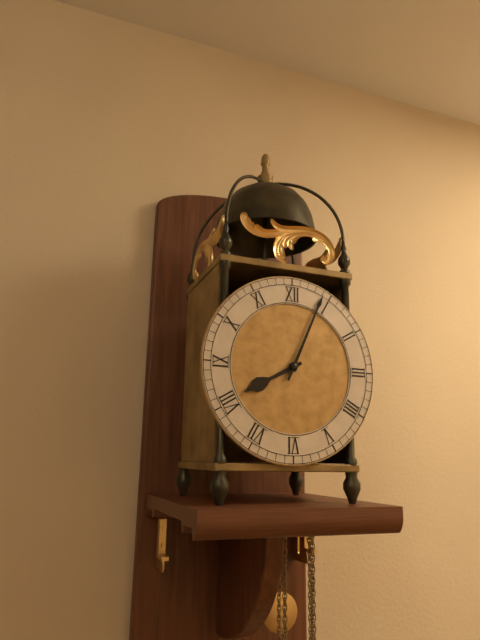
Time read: 8.04
